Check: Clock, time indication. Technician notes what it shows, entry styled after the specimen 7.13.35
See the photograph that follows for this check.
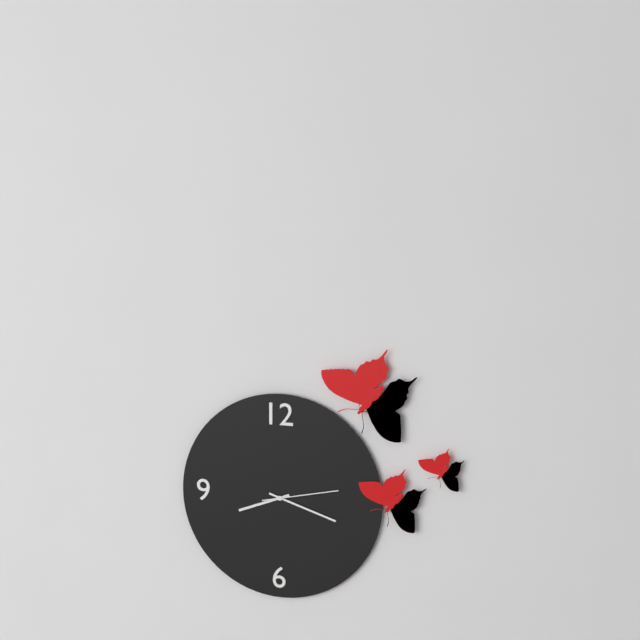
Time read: 8.18.13
